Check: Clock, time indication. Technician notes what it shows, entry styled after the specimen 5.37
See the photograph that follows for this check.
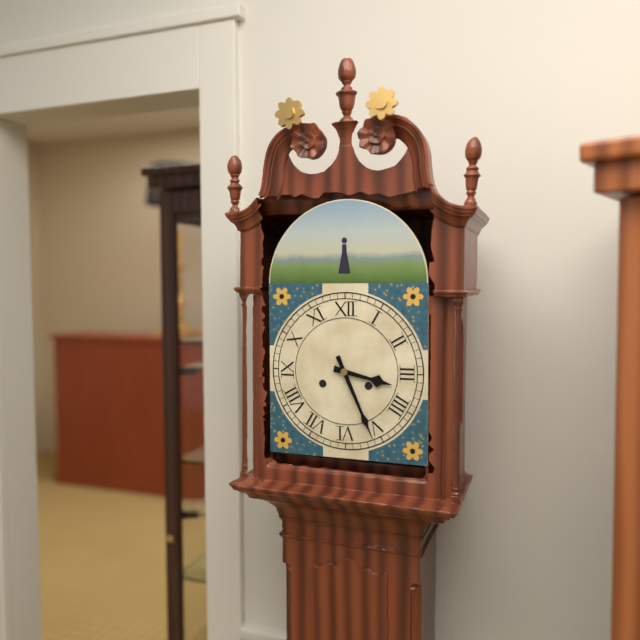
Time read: 3.26
